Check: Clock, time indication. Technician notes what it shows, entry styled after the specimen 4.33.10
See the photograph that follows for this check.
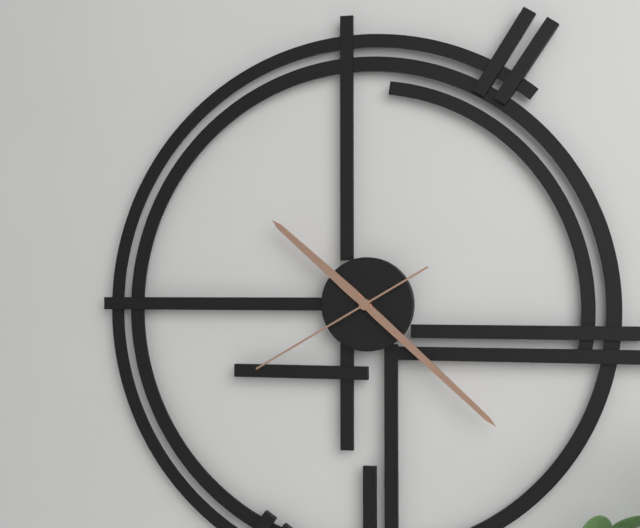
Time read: 10.22.40
